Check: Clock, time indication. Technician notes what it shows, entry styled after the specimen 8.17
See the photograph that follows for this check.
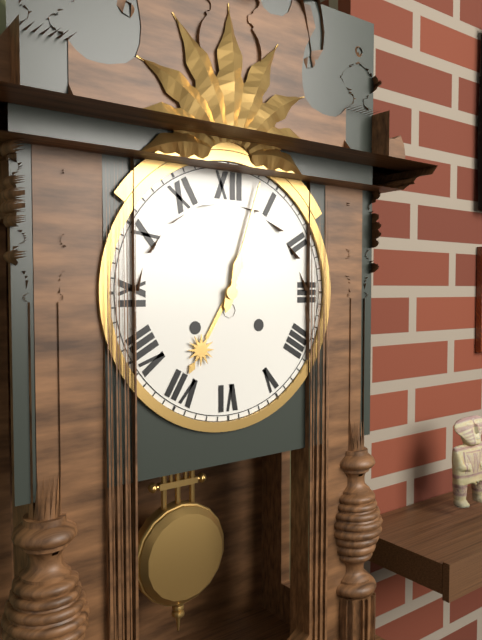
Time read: 7.03
